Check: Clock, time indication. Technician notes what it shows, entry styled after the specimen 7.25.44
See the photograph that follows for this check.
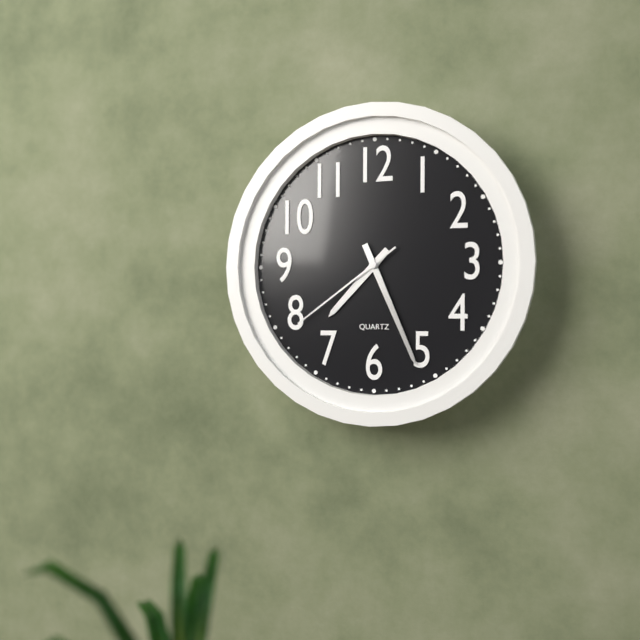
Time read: 7.26.39
